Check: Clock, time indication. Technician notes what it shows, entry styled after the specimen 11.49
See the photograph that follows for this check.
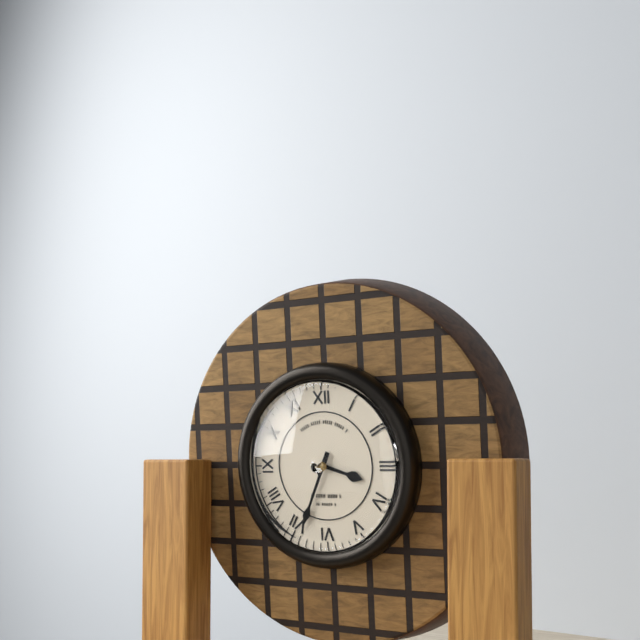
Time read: 3.34
